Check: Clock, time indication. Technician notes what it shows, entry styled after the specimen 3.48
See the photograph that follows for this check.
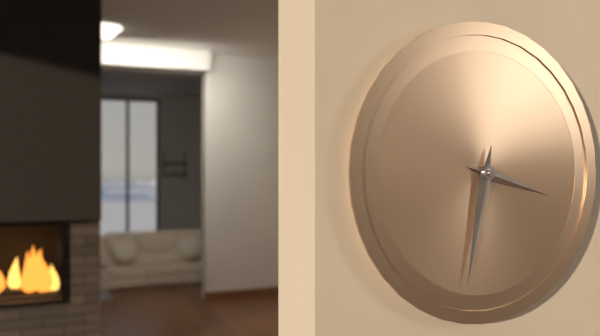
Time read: 3.32
